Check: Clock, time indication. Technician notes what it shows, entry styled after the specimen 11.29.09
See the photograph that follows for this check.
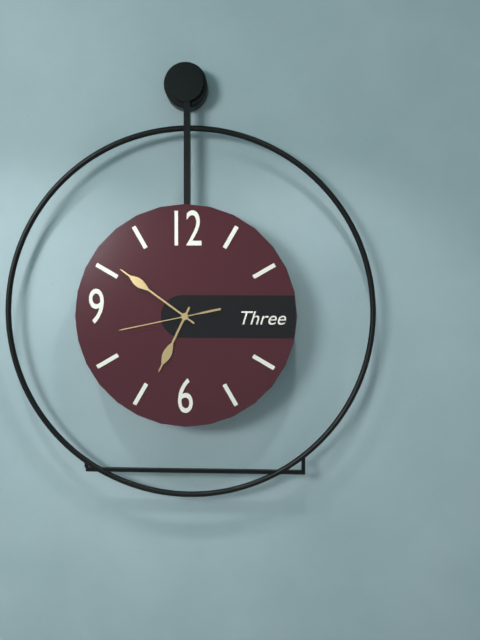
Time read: 6.51.43
